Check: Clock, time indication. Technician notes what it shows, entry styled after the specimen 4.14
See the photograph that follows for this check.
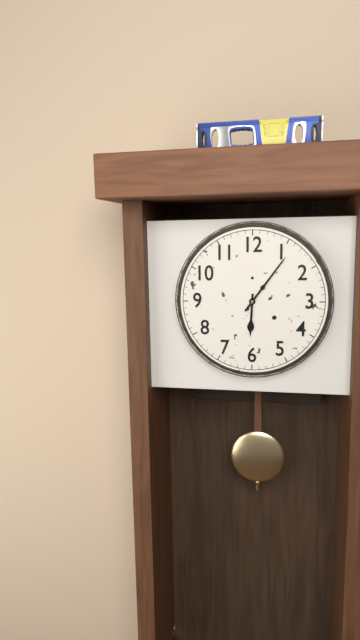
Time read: 6.06
